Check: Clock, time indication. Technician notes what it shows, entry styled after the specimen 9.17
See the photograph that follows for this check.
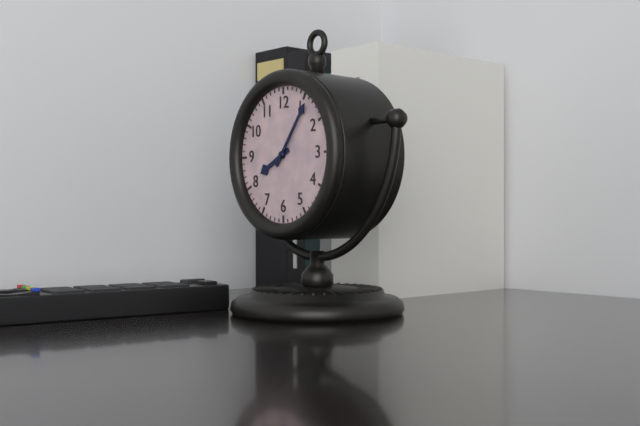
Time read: 8.06
